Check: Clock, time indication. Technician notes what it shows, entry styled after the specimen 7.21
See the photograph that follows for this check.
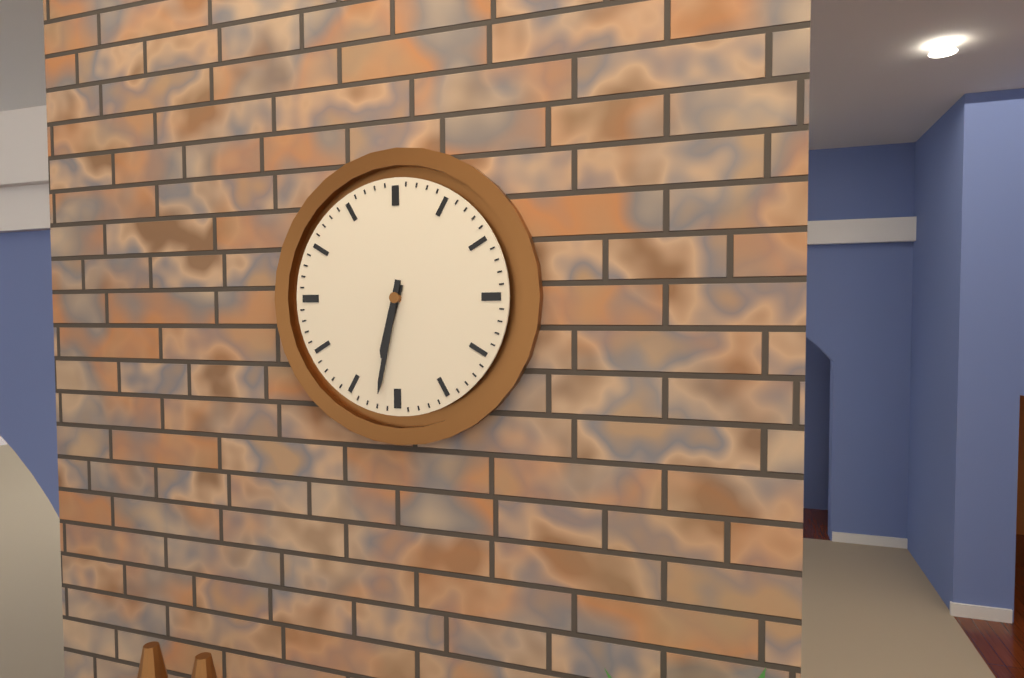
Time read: 6.32
